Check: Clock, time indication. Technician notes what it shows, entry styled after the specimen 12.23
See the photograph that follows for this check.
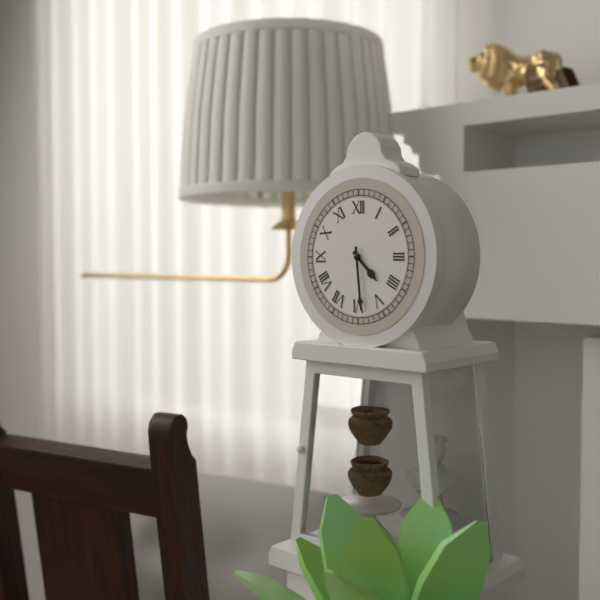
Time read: 4.29
